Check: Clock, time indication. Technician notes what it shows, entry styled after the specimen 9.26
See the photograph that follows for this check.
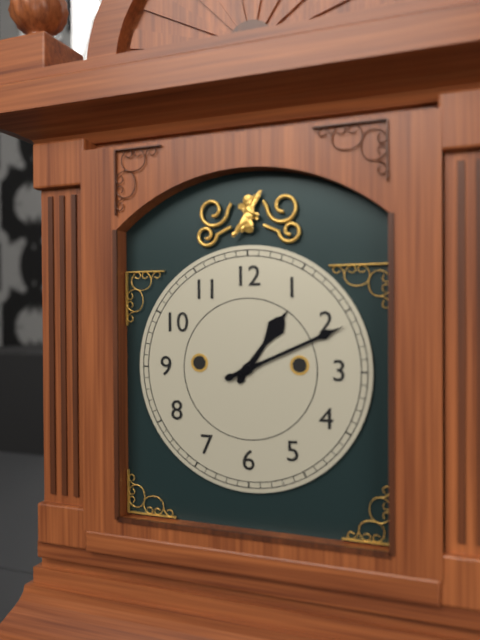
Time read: 1.11
